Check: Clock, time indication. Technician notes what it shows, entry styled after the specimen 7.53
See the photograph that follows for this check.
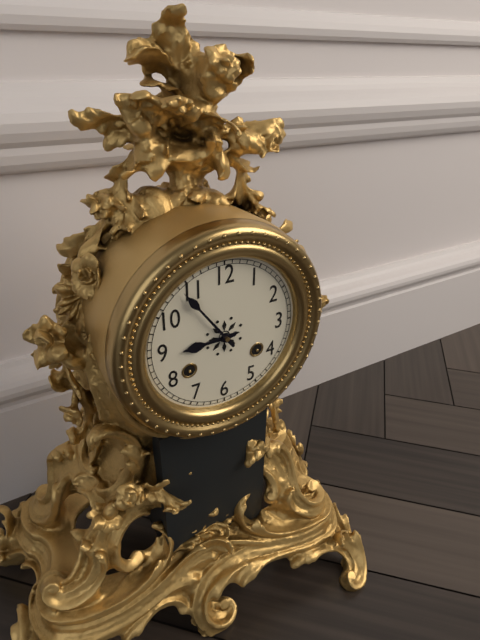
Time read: 8.54
